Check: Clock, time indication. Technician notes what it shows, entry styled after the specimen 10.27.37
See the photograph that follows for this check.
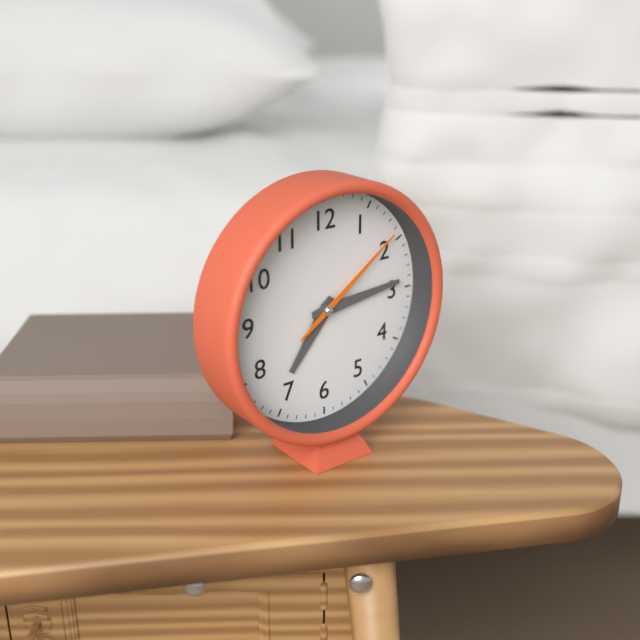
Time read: 7.14.09
